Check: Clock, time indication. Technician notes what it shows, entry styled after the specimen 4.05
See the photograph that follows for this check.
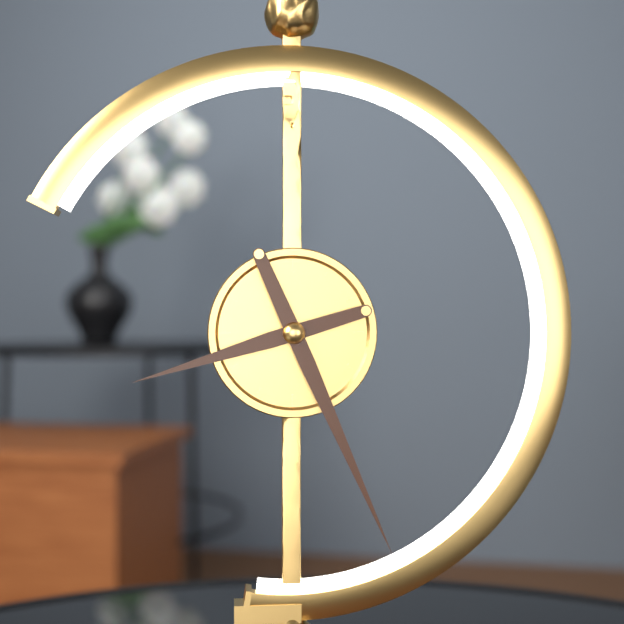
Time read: 8.26
